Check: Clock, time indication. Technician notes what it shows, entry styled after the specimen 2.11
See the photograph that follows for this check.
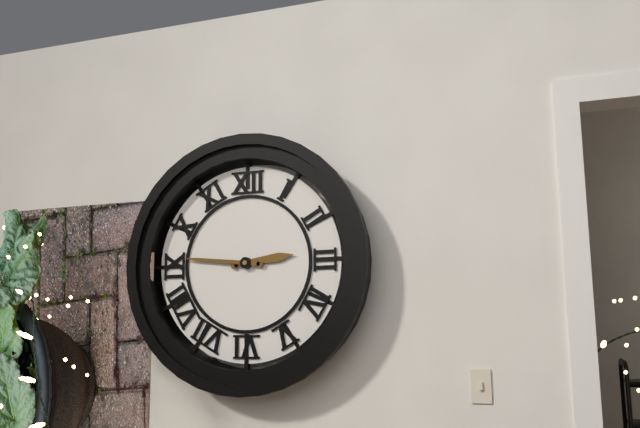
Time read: 2.46
